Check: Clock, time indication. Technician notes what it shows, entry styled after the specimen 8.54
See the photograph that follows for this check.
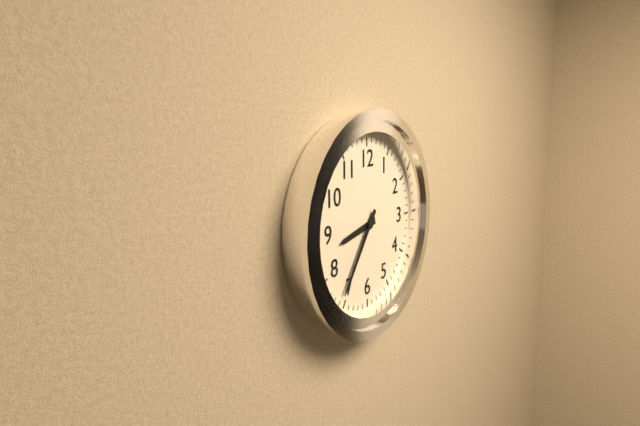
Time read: 8.36
